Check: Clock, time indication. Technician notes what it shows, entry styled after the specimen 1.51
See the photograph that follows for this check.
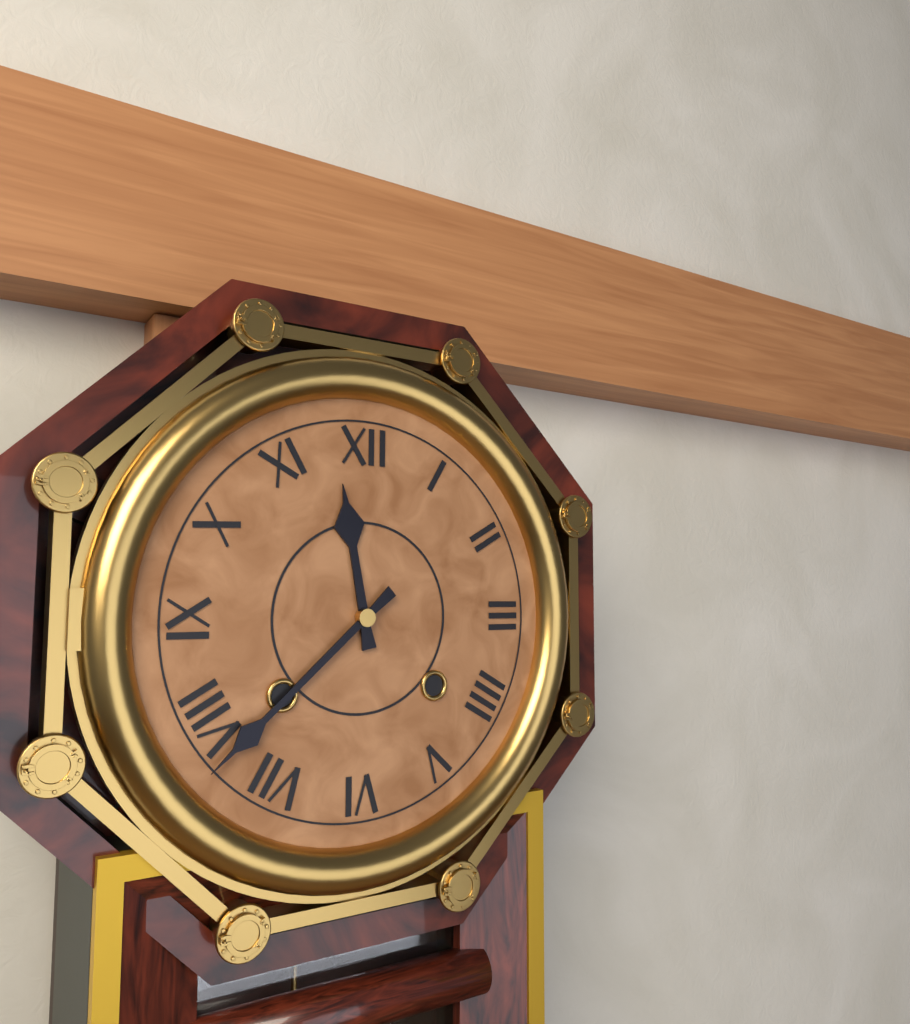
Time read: 11.38
